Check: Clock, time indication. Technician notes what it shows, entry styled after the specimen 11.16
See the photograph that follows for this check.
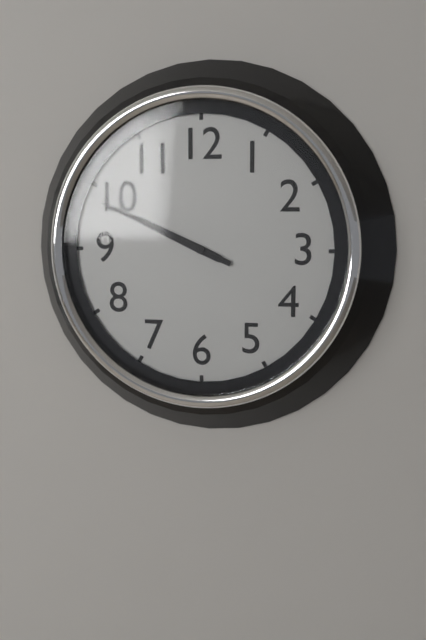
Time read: 9.49
